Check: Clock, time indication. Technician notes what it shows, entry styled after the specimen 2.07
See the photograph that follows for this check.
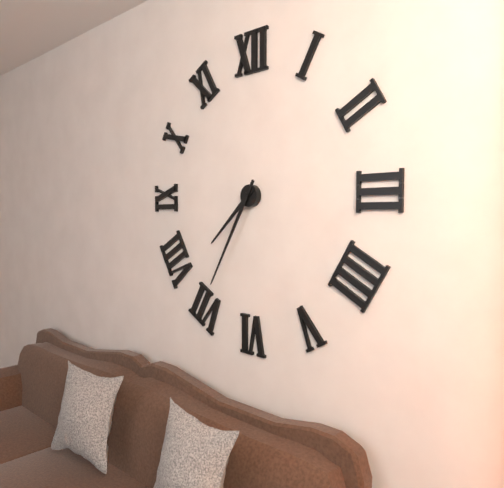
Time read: 7.35
